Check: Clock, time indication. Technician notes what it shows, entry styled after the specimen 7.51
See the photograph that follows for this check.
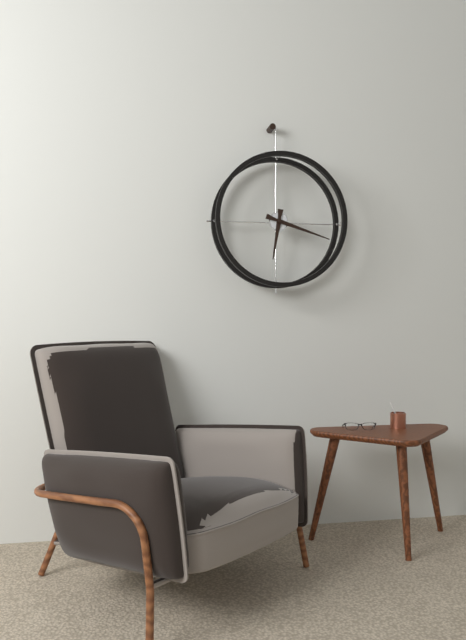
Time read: 6.18
